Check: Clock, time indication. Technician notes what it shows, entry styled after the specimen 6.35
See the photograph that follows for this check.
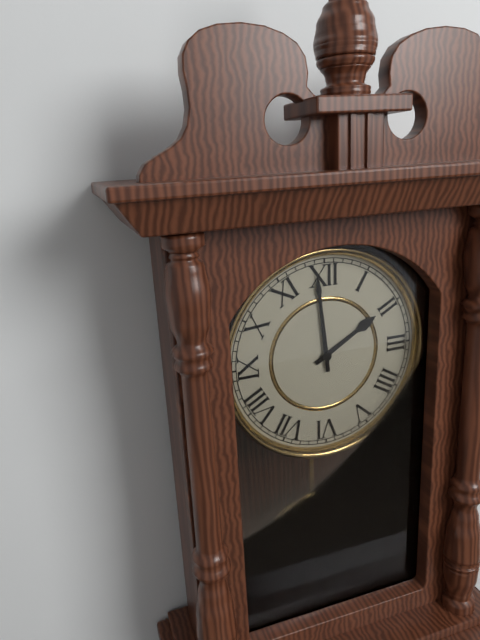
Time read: 1.59
